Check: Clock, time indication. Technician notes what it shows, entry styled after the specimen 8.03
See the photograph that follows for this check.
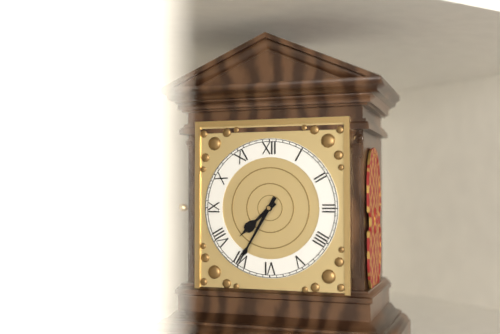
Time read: 7.35
